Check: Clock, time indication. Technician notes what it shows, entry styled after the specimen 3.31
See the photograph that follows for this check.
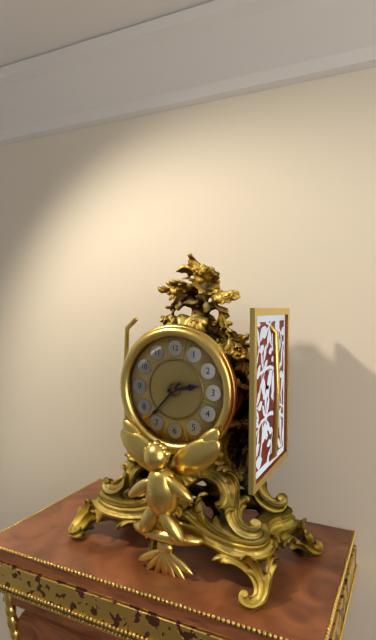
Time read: 2.37
